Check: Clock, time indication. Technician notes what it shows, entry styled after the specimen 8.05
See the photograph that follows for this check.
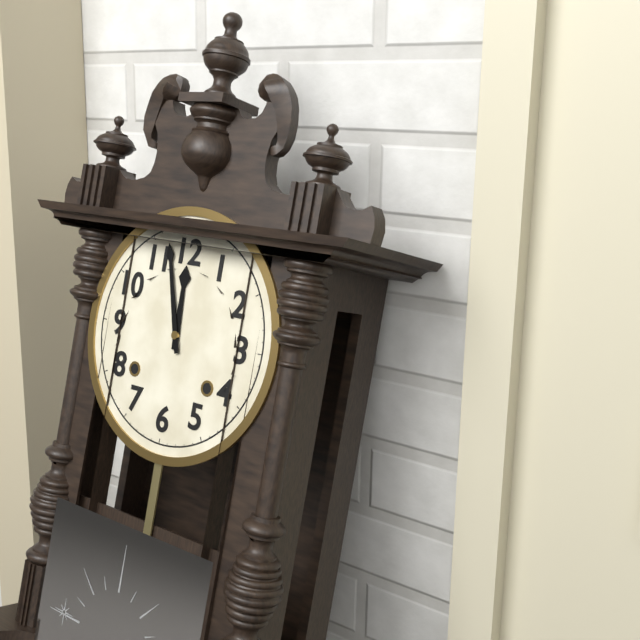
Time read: 11.57
